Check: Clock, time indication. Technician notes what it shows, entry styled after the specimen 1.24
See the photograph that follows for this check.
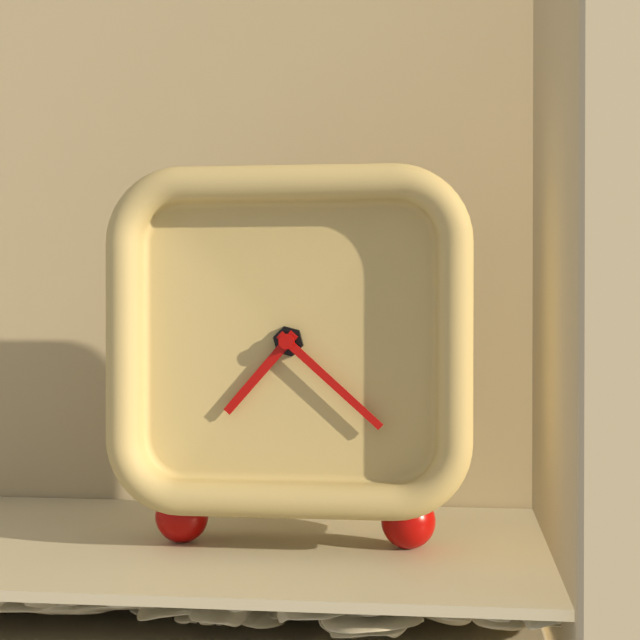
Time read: 7.22
